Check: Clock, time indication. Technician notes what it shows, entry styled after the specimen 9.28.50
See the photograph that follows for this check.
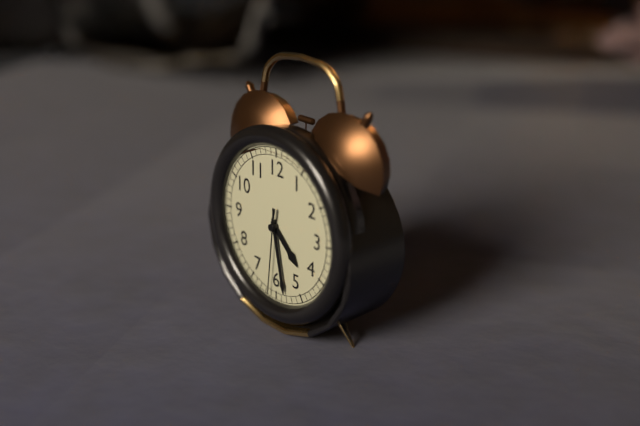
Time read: 4.28.31
